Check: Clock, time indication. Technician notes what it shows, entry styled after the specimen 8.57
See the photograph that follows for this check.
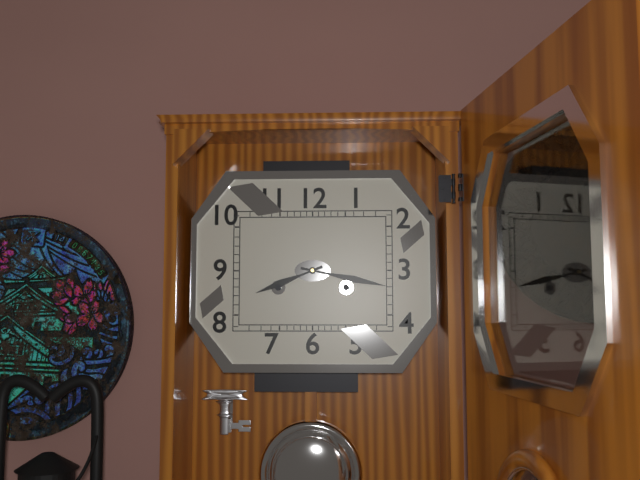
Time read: 8.17
